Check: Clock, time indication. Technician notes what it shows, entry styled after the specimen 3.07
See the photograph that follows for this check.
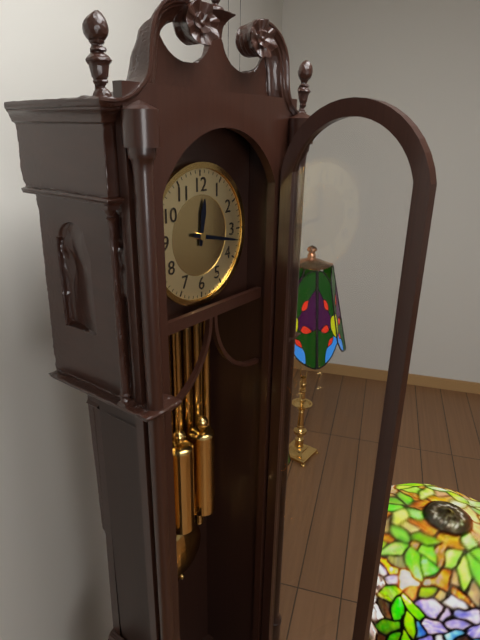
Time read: 12.17
